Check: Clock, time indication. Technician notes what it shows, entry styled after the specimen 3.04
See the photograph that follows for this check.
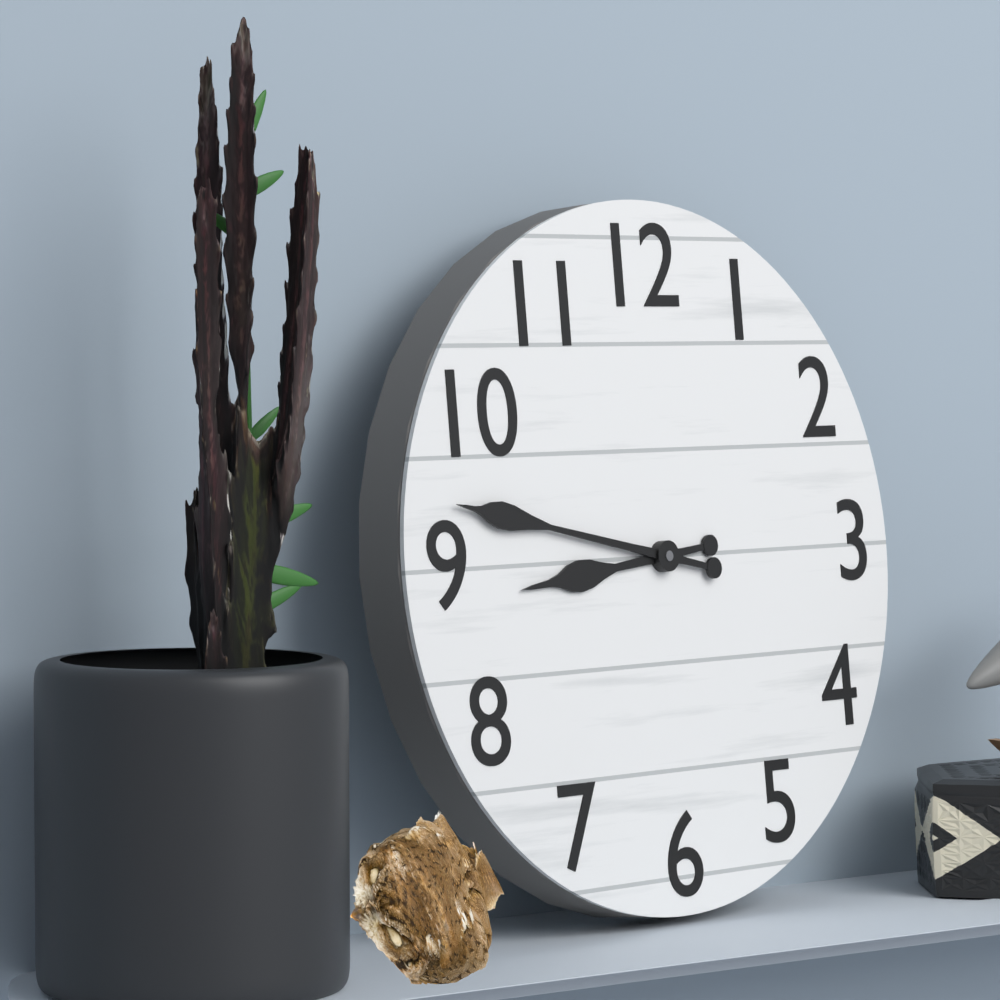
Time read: 8.47
